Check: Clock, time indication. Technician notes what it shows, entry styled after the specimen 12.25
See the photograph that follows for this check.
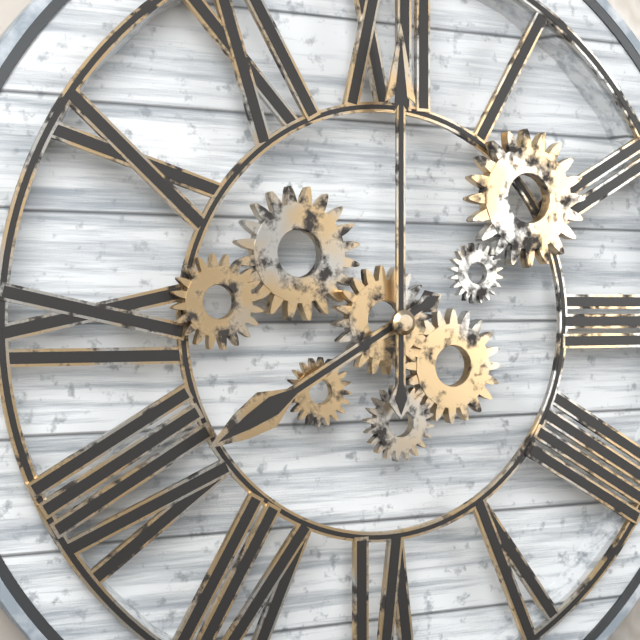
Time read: 8.00
